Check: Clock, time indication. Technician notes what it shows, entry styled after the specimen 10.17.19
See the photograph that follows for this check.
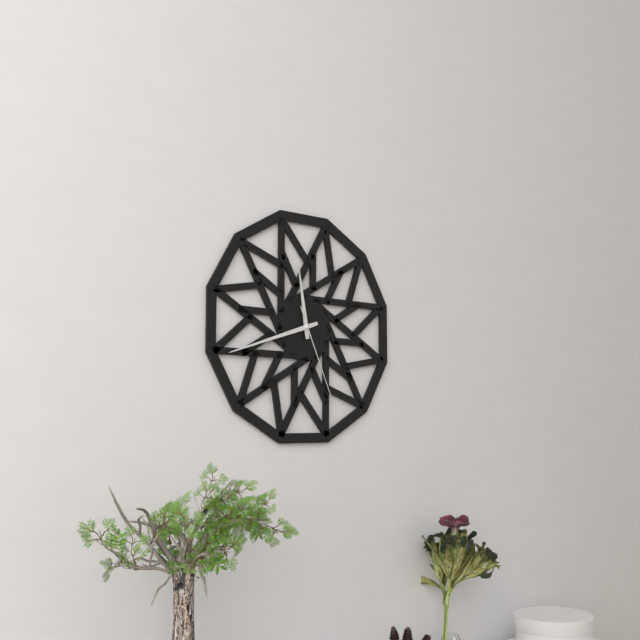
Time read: 11.42.26
